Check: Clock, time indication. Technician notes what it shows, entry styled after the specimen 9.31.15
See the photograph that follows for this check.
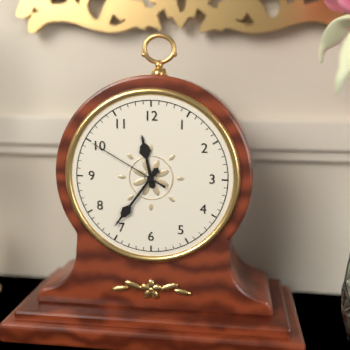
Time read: 11.36.50
